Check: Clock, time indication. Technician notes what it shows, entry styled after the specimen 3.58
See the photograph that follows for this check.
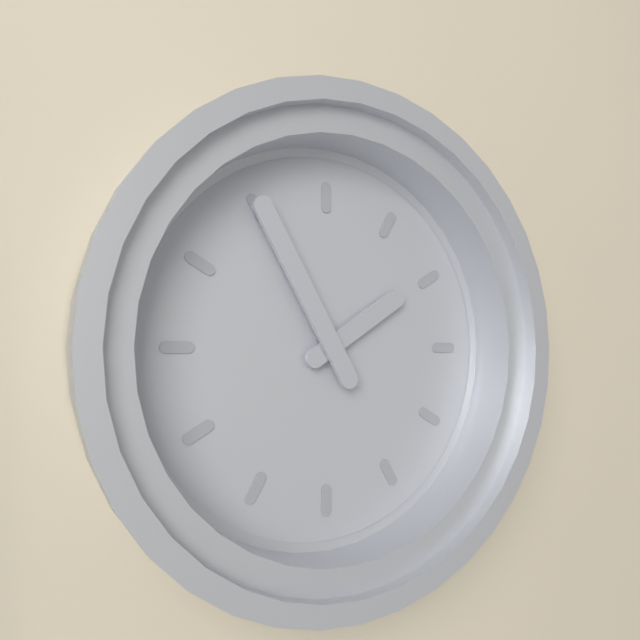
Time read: 1.55
